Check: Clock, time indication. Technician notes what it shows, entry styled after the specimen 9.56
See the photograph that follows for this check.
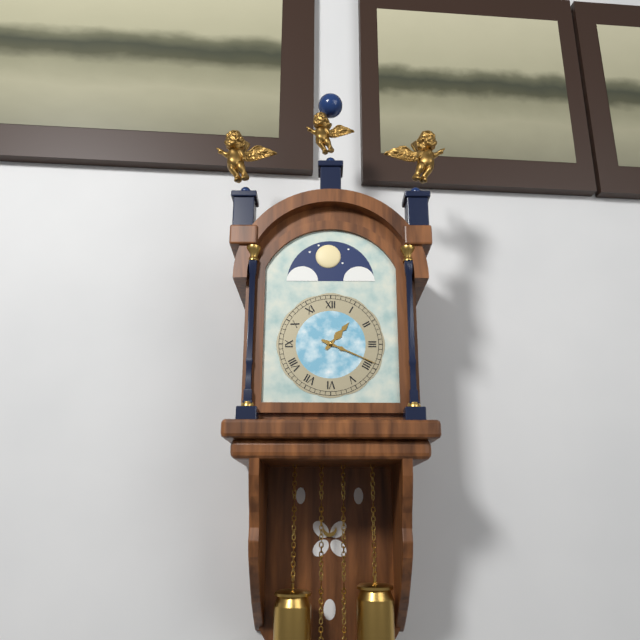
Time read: 1.19
